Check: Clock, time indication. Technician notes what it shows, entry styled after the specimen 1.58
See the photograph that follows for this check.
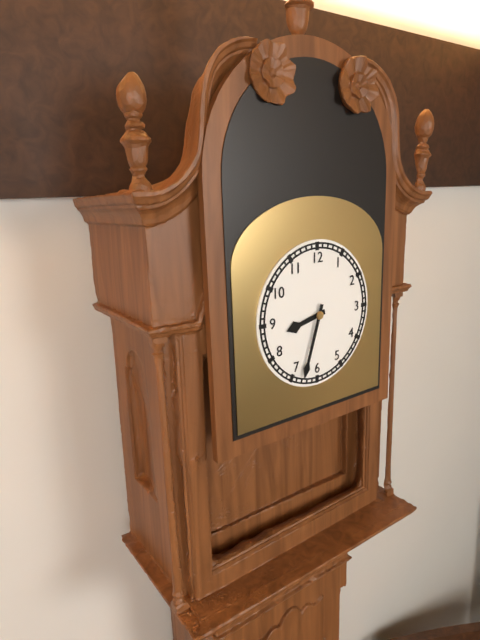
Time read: 8.33
